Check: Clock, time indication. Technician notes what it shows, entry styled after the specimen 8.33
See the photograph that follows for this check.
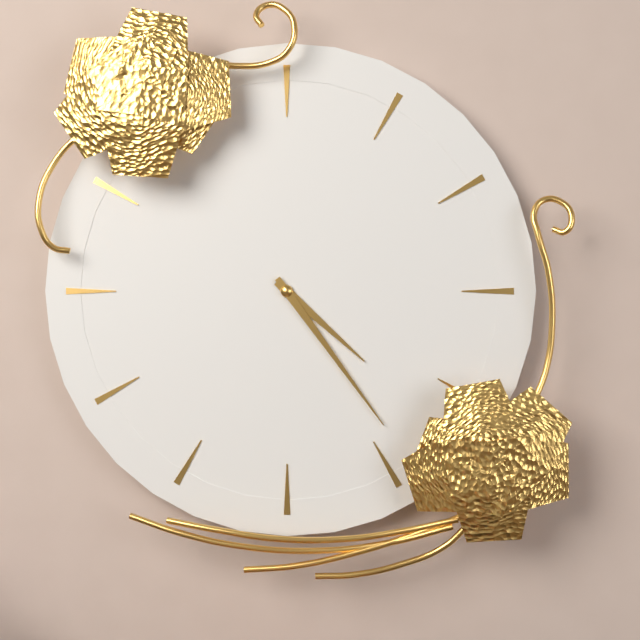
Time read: 4.24
